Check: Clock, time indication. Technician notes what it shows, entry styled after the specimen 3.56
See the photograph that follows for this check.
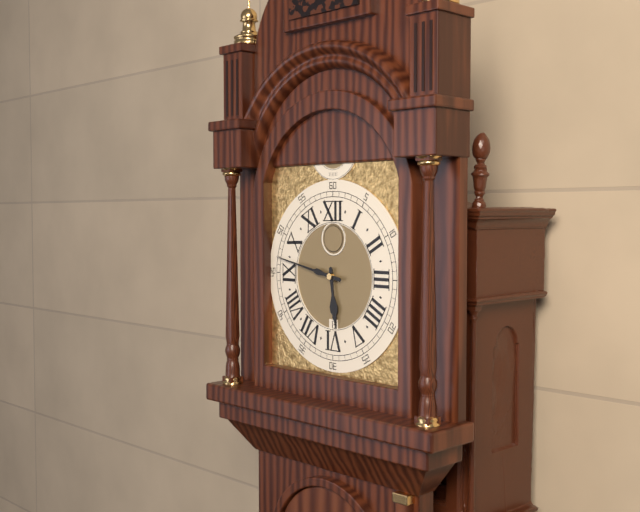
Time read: 5.47
